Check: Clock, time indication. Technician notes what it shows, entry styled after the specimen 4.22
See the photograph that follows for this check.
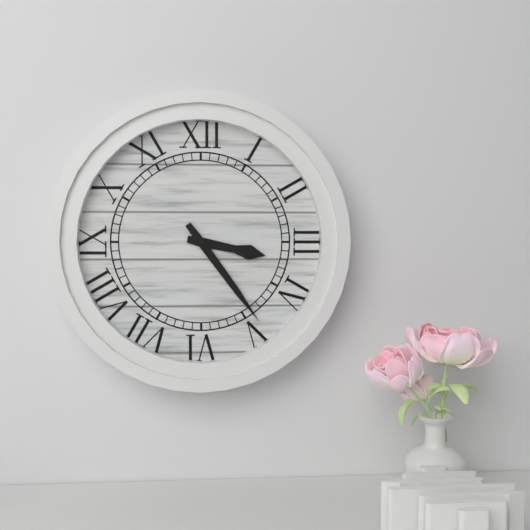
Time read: 3.24
